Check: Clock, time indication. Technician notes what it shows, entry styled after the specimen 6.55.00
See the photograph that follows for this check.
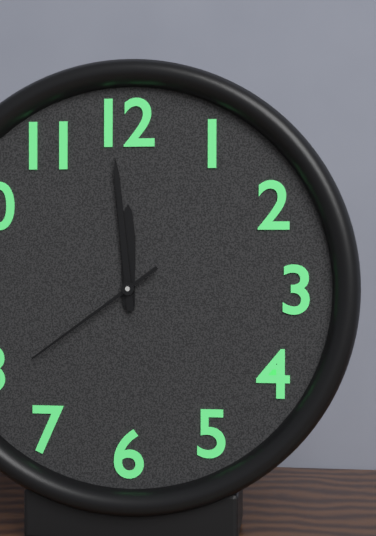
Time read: 11.59.39
